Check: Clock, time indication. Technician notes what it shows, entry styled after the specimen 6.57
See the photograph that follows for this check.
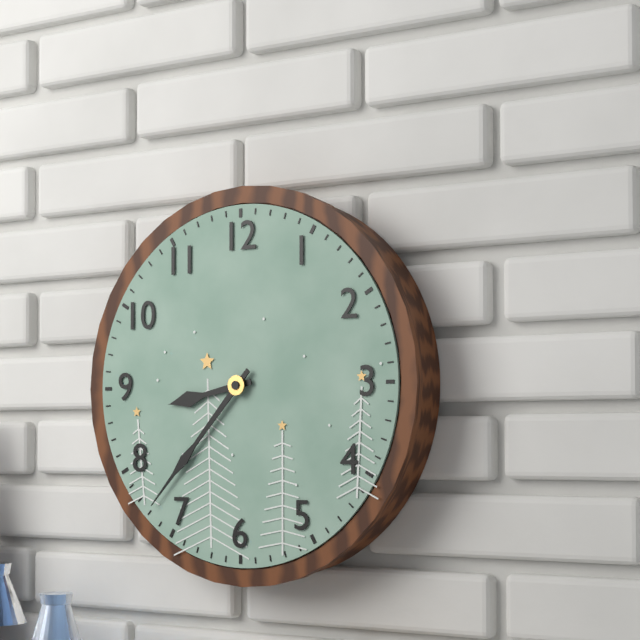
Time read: 8.37
